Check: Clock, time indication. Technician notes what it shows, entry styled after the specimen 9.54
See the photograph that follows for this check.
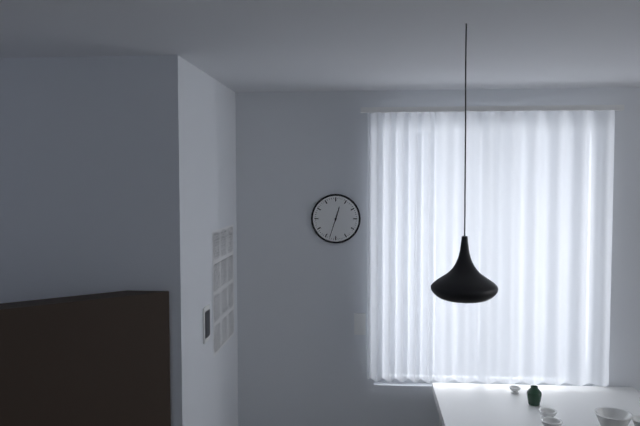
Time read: 12.33
